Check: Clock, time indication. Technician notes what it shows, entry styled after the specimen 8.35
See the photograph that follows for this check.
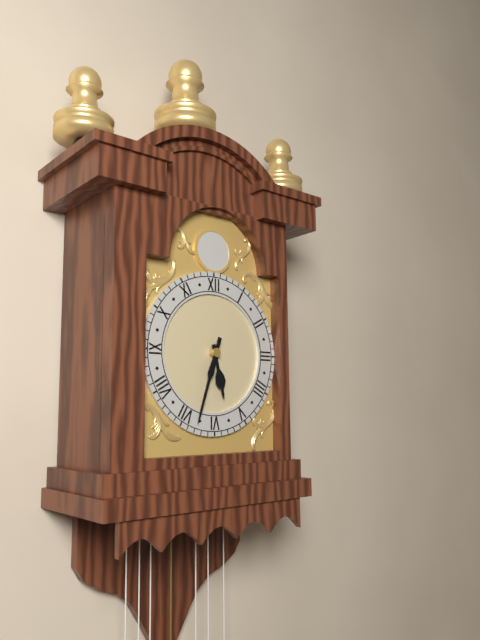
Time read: 5.33
